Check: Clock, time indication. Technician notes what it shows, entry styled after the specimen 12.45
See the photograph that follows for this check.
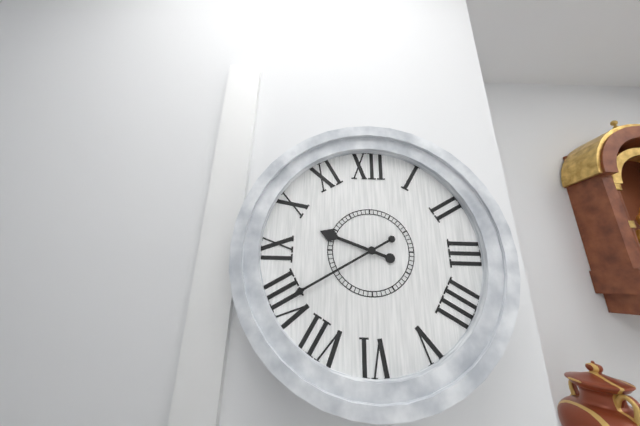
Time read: 9.40
